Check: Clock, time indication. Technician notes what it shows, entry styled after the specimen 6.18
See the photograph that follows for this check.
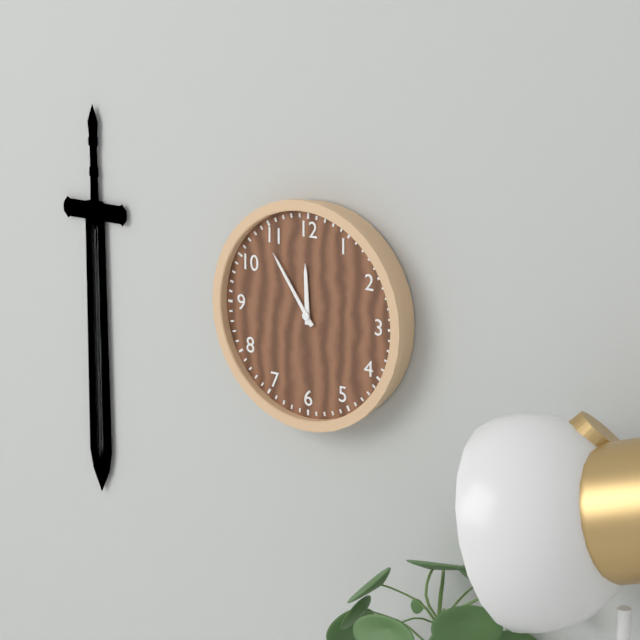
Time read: 11.54
